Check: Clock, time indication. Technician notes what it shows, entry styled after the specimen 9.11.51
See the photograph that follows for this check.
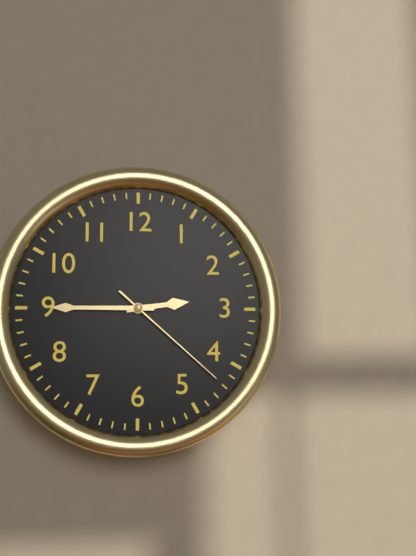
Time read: 2.45.22
